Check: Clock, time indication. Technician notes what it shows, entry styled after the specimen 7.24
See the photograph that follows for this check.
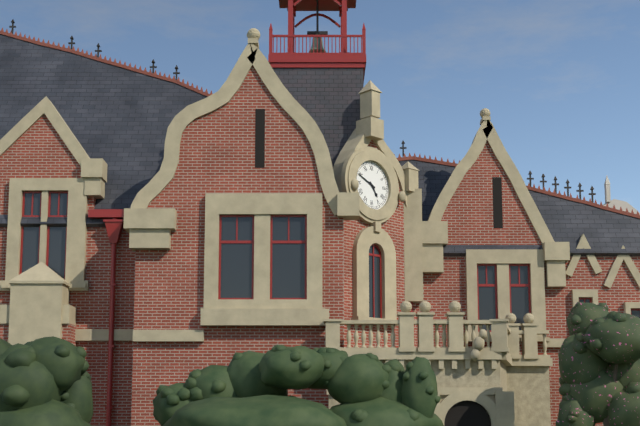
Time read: 4.49
